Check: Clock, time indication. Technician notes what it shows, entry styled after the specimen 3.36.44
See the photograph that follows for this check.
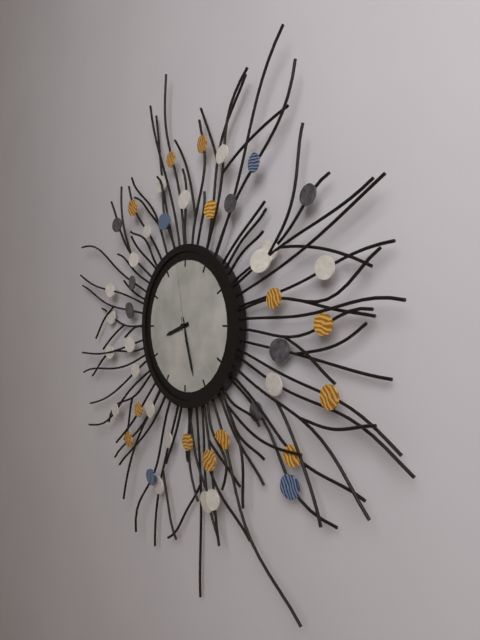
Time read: 8.27.58
